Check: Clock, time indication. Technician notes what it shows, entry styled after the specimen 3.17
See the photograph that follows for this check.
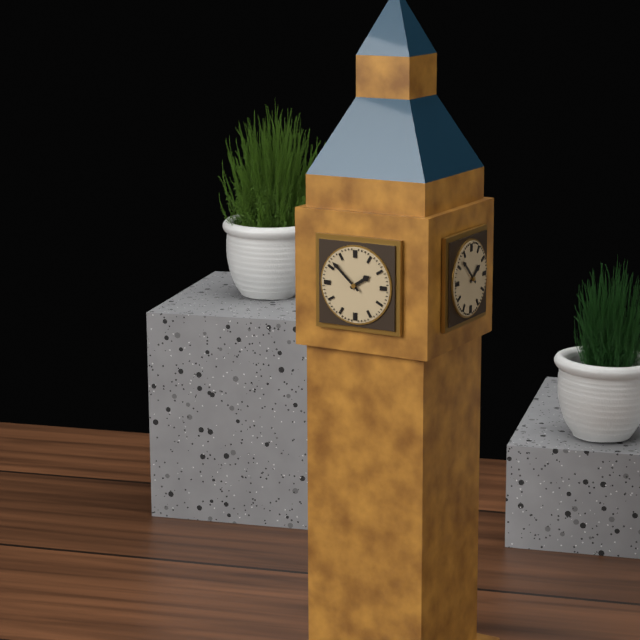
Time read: 1.52
